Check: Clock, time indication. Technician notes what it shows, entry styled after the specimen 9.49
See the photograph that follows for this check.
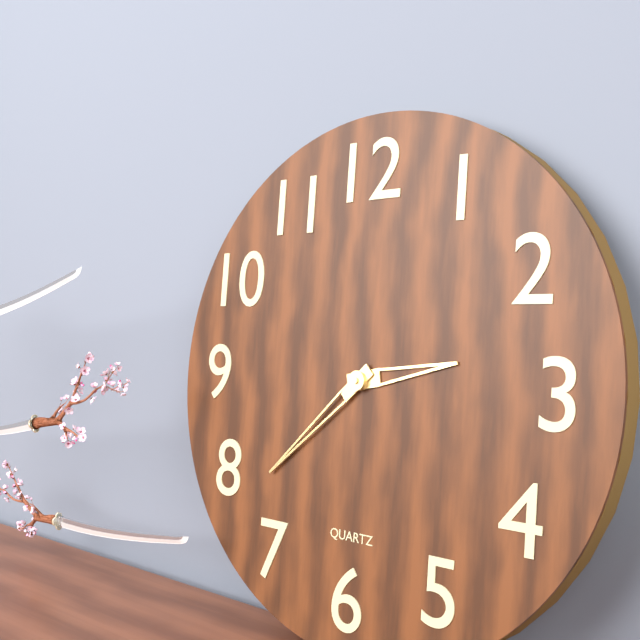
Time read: 2.38
